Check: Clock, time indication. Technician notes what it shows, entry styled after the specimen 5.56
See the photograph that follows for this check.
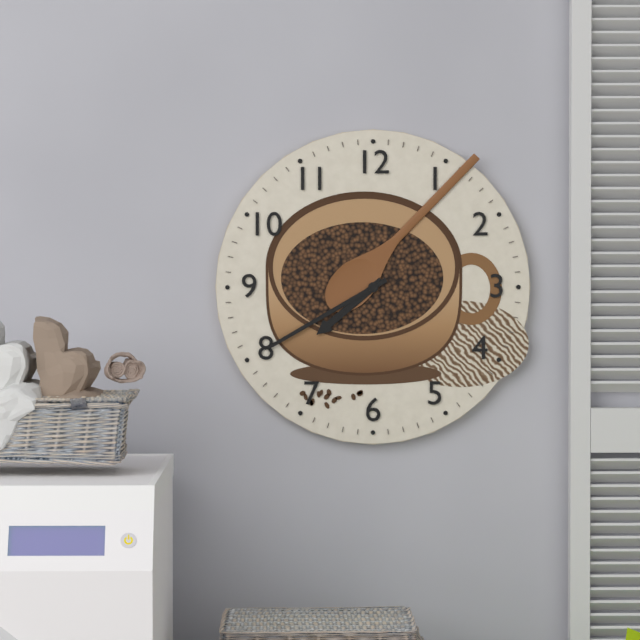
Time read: 7.40
